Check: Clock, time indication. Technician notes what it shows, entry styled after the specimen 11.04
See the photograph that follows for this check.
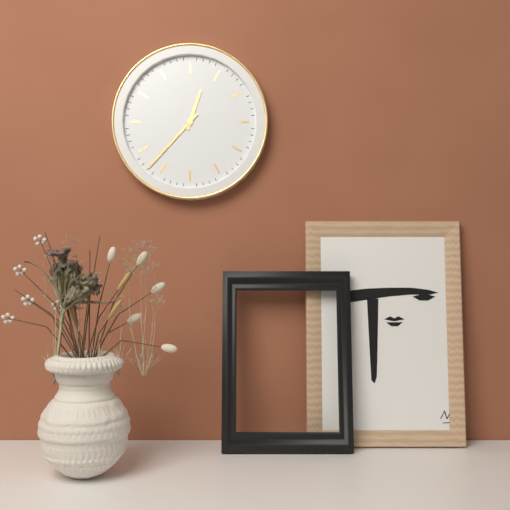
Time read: 12.37
